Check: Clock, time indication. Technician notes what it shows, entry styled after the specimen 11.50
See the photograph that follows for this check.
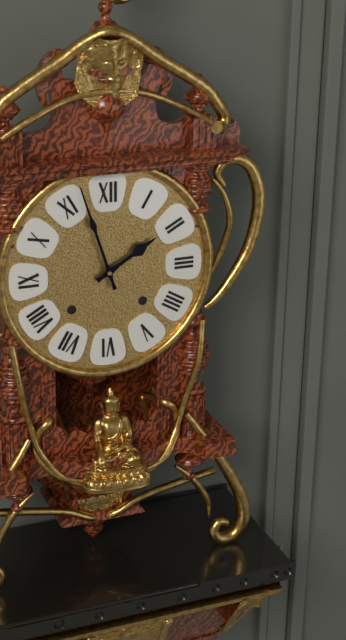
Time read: 1.57
